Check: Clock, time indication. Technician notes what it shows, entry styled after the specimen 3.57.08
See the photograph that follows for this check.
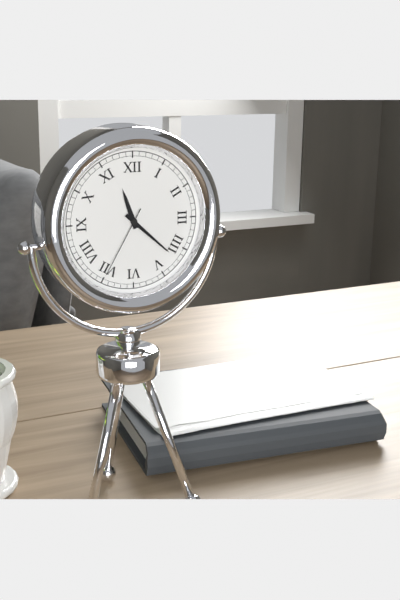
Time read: 11.22.35
